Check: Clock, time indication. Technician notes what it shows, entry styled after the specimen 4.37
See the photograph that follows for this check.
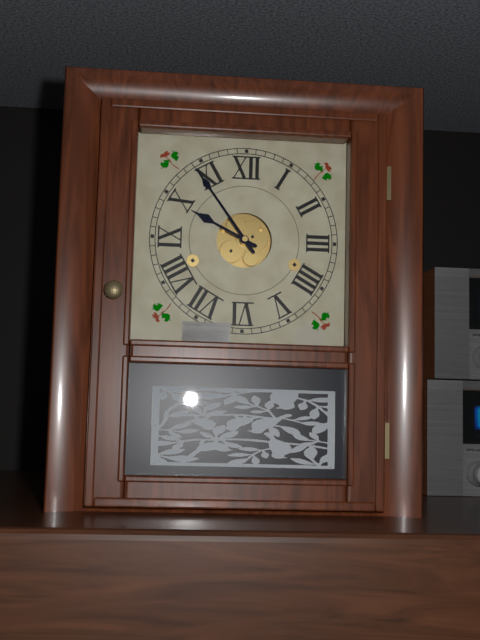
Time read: 9.54
